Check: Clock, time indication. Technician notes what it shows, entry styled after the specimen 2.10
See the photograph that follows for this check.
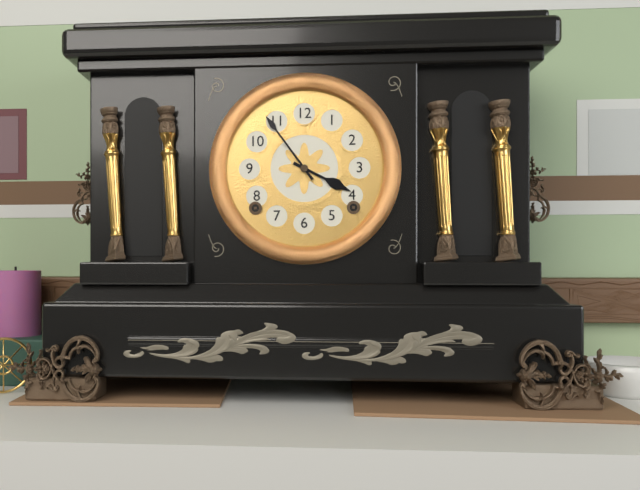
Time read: 3.54
